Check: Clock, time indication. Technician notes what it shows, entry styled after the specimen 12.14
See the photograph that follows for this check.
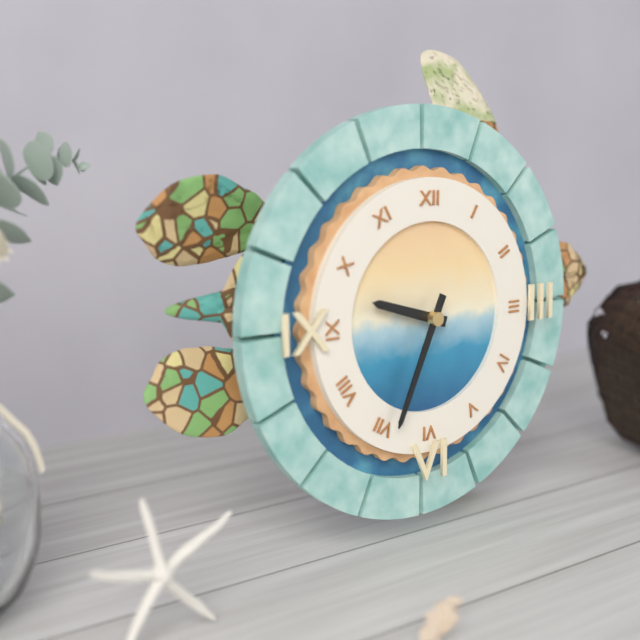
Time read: 9.34
